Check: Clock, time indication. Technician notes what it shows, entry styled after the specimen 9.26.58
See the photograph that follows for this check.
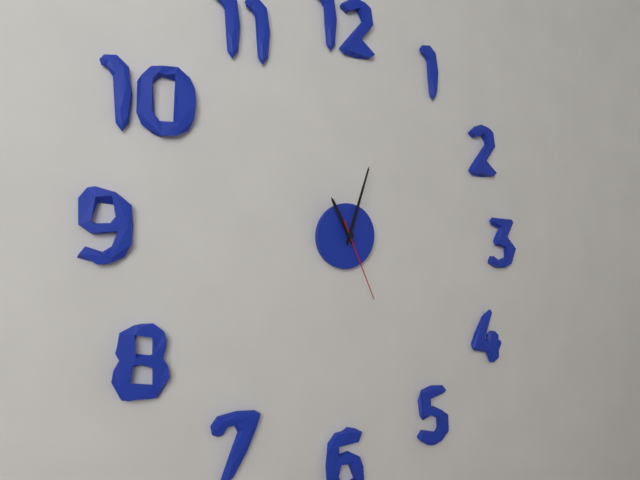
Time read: 11.03.26
